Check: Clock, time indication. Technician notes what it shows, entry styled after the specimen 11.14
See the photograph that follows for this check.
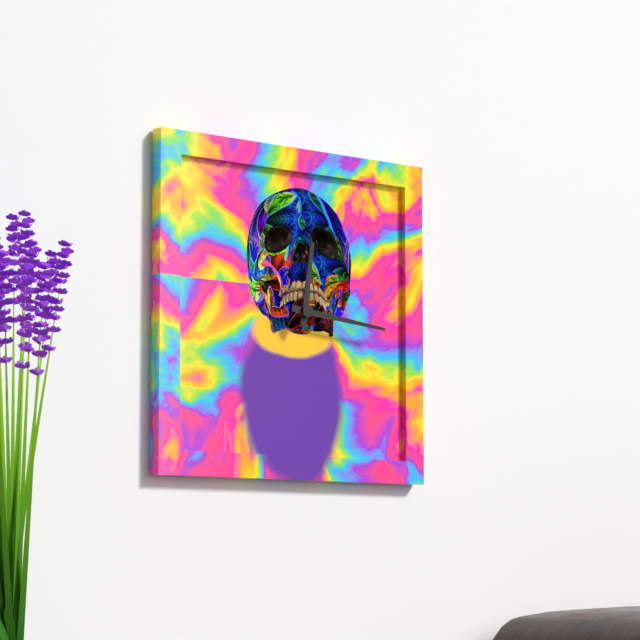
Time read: 12.16
